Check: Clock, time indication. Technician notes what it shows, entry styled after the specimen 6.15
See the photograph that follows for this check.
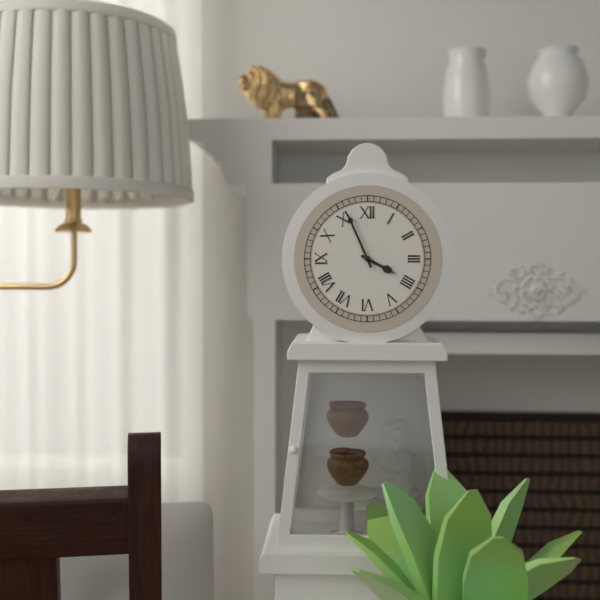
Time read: 3.56
